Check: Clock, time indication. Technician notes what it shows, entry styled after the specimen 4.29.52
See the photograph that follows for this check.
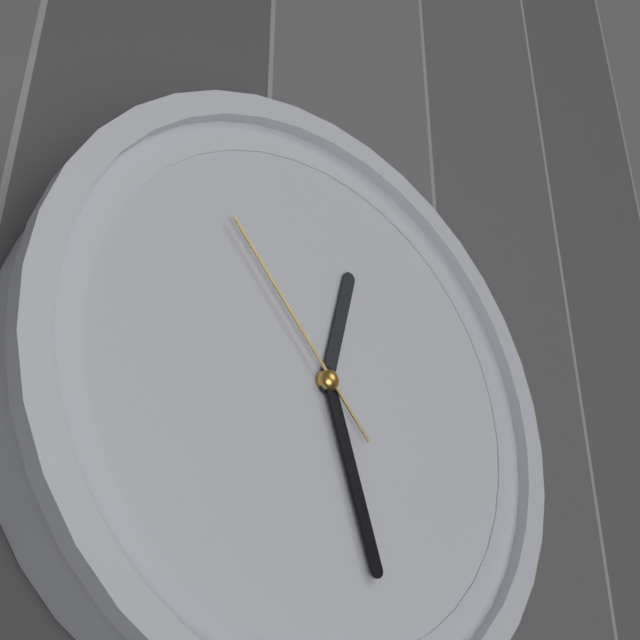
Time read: 12.27.53
